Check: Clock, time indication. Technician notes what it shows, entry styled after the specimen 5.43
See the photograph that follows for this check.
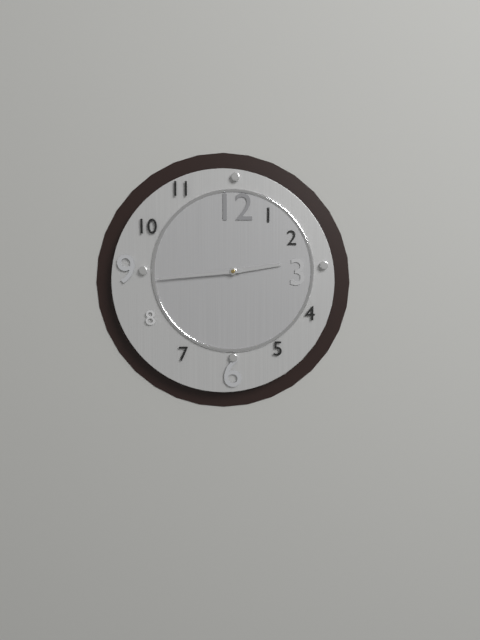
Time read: 2.44
